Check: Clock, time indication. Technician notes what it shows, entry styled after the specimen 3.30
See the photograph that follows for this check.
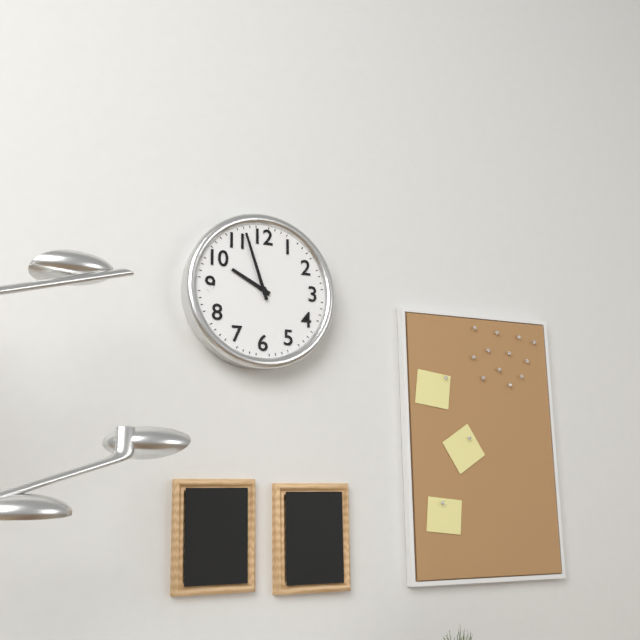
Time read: 9.57
